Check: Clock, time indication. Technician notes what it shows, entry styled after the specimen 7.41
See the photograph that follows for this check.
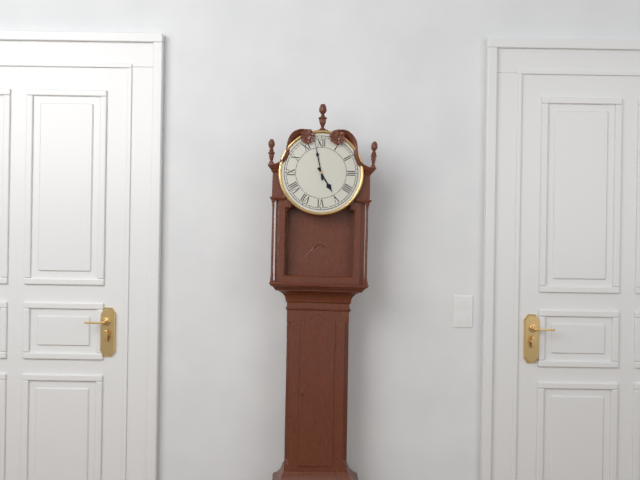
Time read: 4.58
